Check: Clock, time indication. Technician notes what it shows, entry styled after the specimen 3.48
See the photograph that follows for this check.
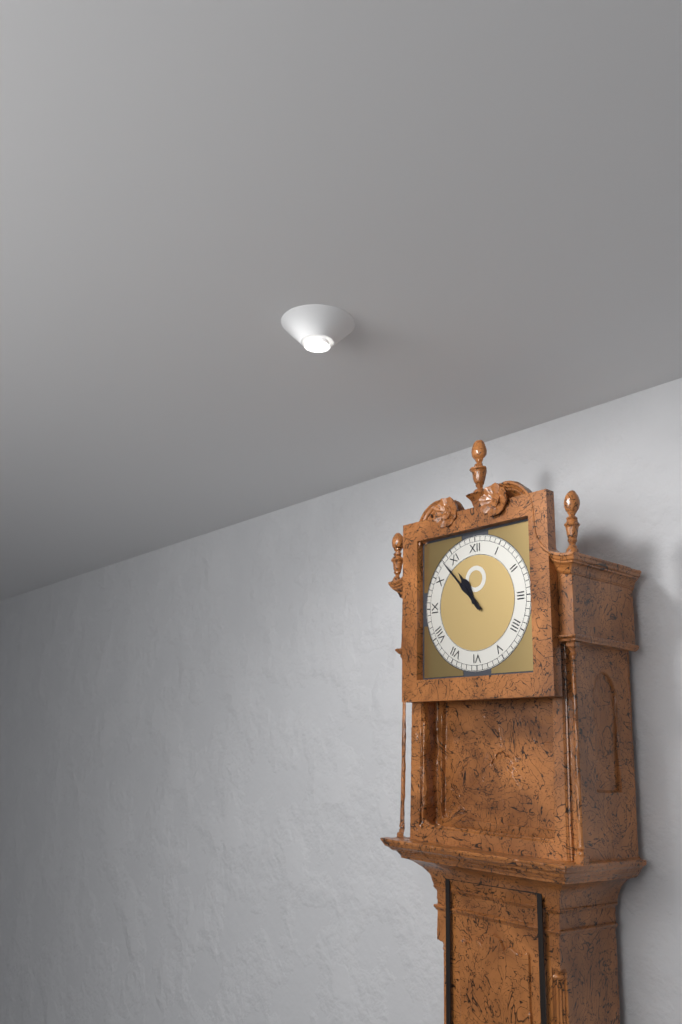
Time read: 10.53
